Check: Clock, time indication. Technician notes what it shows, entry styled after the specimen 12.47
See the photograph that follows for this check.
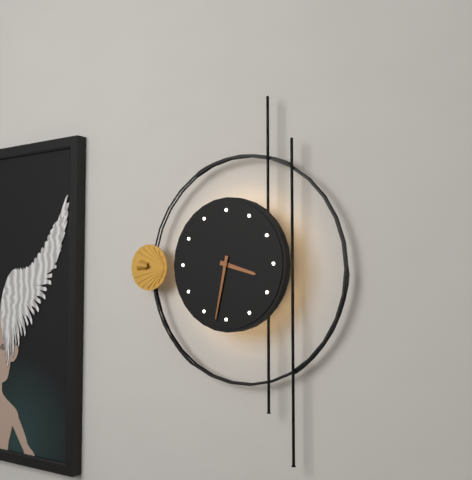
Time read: 3.32
